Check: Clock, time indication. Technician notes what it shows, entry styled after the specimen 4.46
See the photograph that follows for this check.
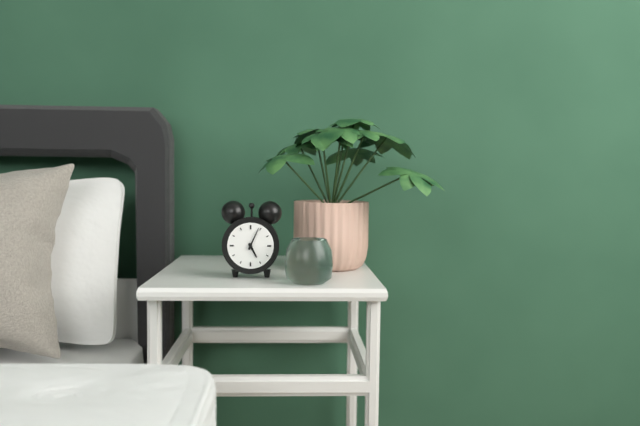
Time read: 5.04
